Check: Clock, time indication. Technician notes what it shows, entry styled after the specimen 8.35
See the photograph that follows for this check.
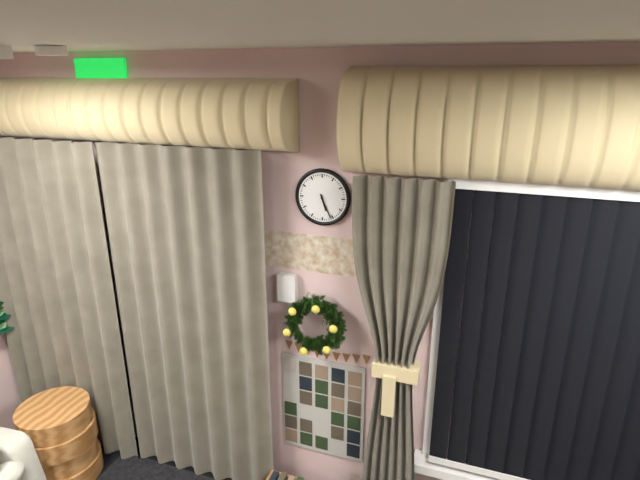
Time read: 5.26
